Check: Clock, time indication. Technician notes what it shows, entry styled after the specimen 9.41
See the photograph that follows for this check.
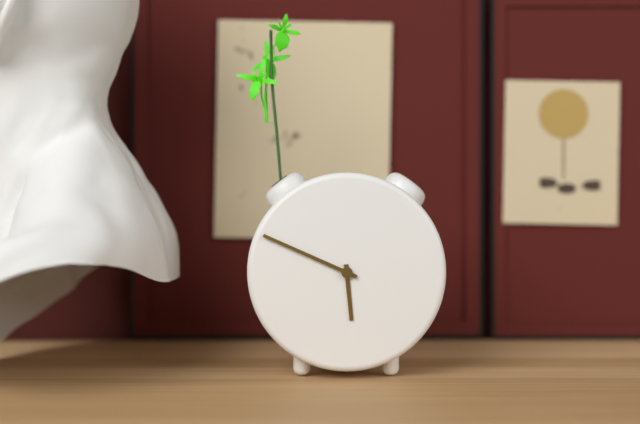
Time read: 5.49
